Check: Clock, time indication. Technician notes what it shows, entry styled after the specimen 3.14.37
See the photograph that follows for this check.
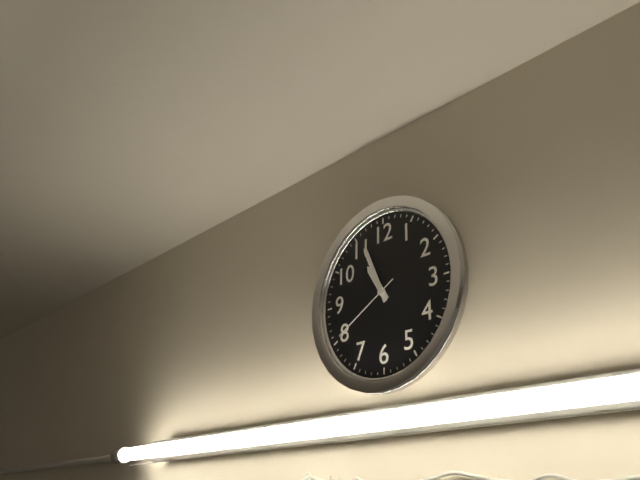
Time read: 10.56.40
